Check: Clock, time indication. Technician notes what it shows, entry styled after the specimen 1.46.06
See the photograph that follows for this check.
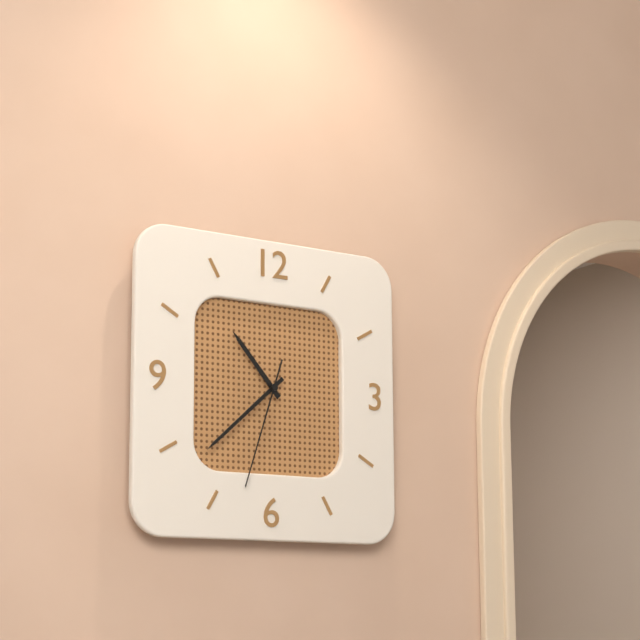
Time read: 10.38.33
